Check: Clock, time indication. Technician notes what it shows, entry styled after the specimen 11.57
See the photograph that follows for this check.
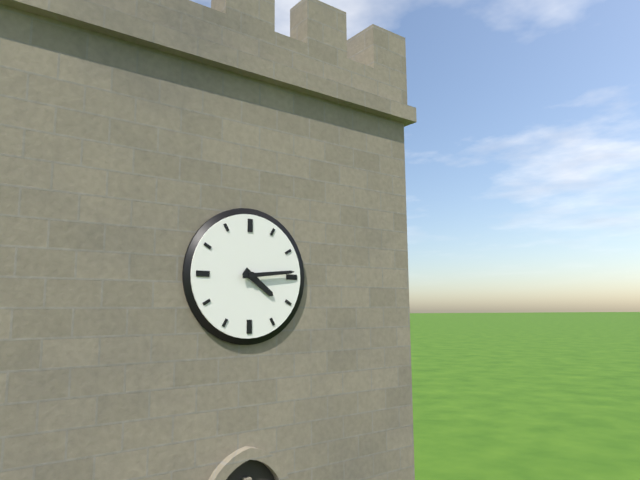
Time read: 4.14
